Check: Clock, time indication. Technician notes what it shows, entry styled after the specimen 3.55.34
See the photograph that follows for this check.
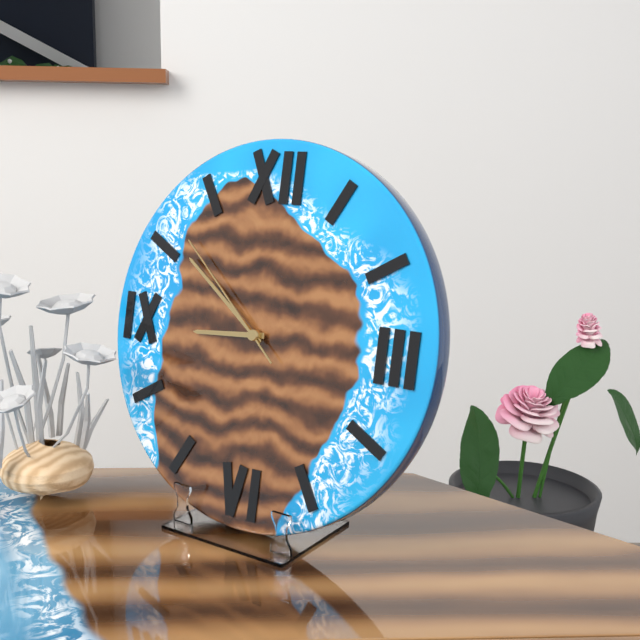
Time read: 8.51.52
